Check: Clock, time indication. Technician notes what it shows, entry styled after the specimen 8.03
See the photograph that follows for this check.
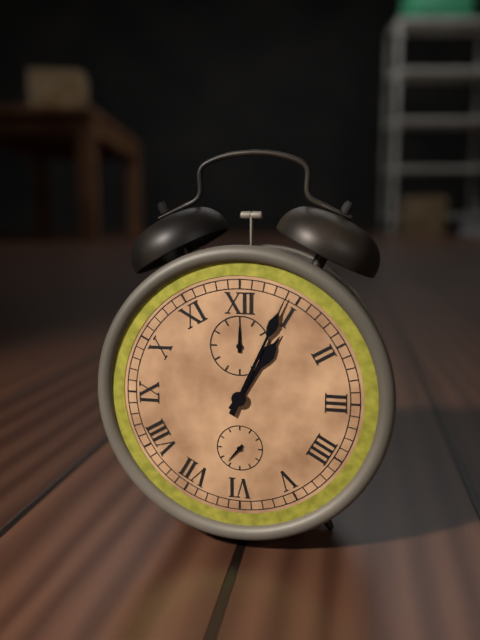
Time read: 1.04
